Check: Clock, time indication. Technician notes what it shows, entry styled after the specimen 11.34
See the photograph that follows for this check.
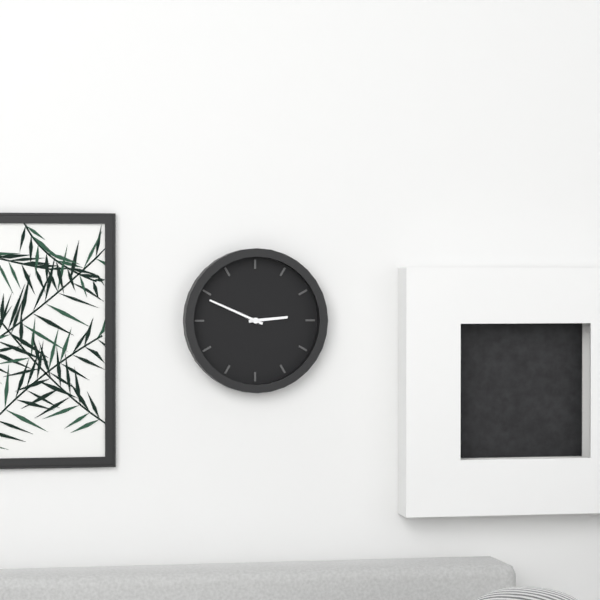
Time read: 2.49
